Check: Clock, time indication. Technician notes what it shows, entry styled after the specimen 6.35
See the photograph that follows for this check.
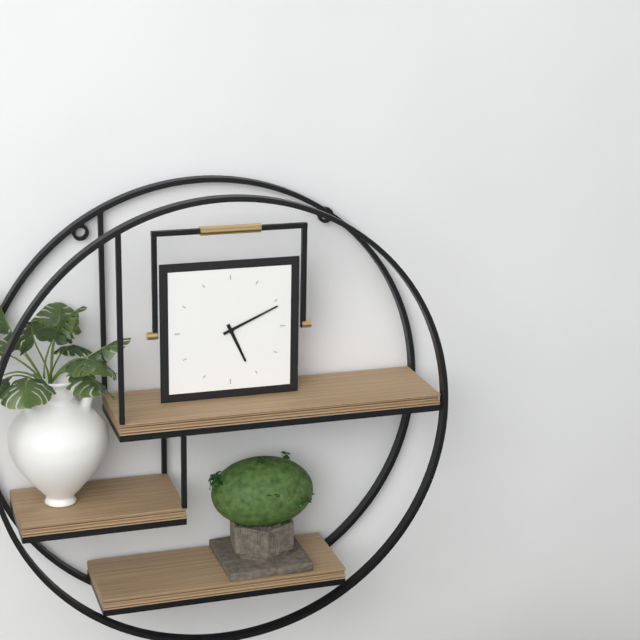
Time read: 5.11
